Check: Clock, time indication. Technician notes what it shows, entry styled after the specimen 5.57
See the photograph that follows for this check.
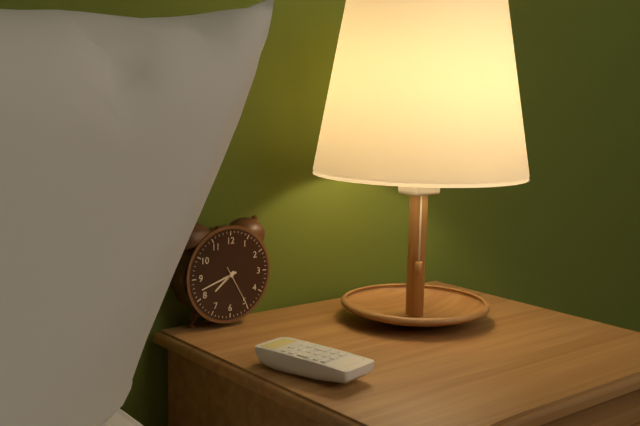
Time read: 7.42
